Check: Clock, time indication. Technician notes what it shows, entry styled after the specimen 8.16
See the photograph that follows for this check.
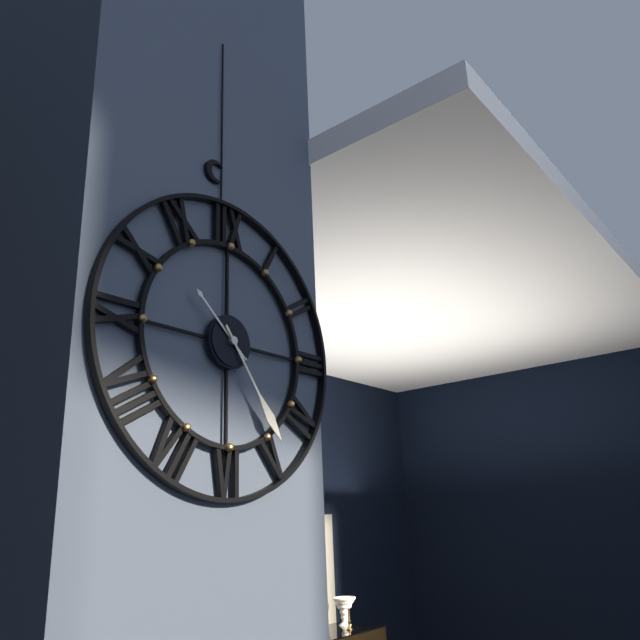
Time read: 10.24
